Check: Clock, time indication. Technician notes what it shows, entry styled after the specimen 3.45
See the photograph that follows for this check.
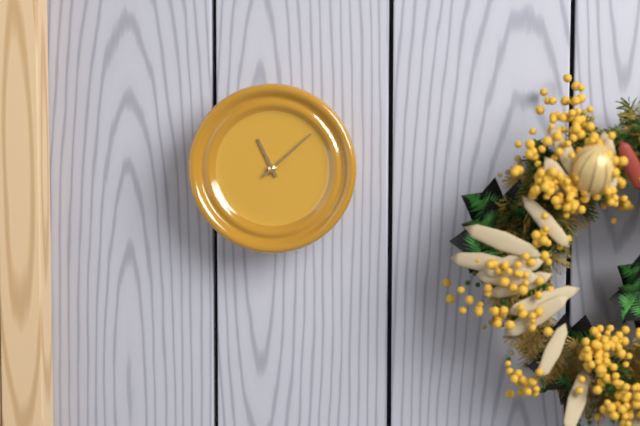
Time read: 11.08
